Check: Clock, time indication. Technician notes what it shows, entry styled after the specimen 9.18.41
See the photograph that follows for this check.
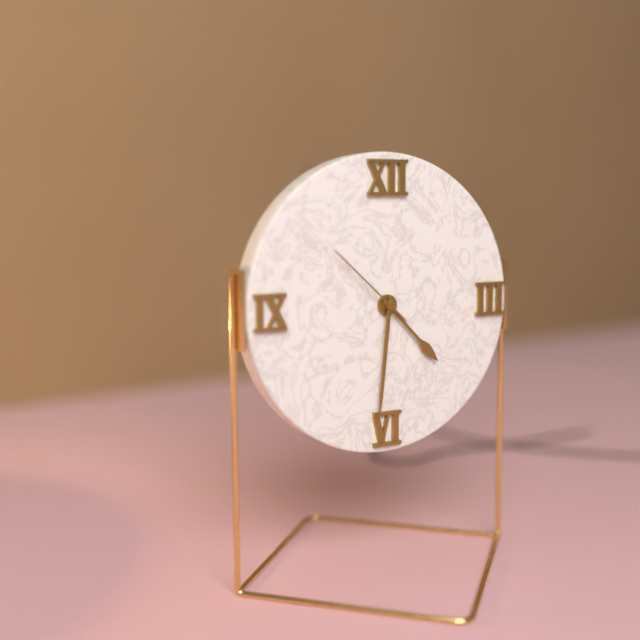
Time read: 4.31.52
